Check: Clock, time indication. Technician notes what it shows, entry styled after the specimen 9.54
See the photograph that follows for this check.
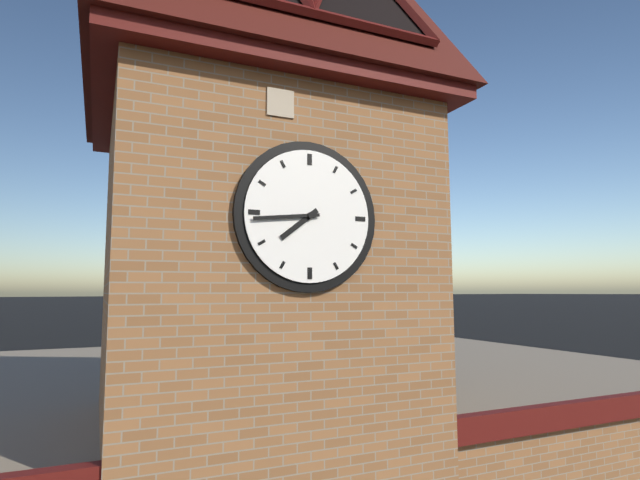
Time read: 7.44
